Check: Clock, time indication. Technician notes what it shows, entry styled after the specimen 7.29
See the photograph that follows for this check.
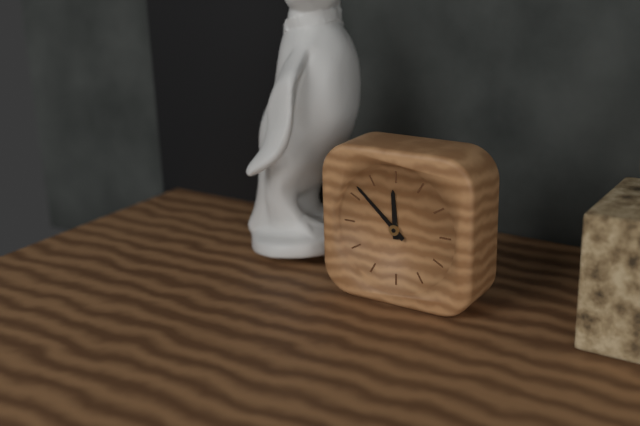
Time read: 11.52
